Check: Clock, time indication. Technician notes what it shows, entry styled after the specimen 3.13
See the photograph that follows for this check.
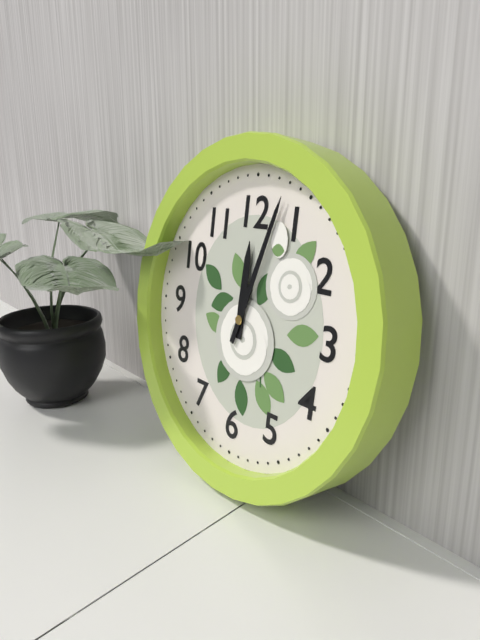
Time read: 12.03
